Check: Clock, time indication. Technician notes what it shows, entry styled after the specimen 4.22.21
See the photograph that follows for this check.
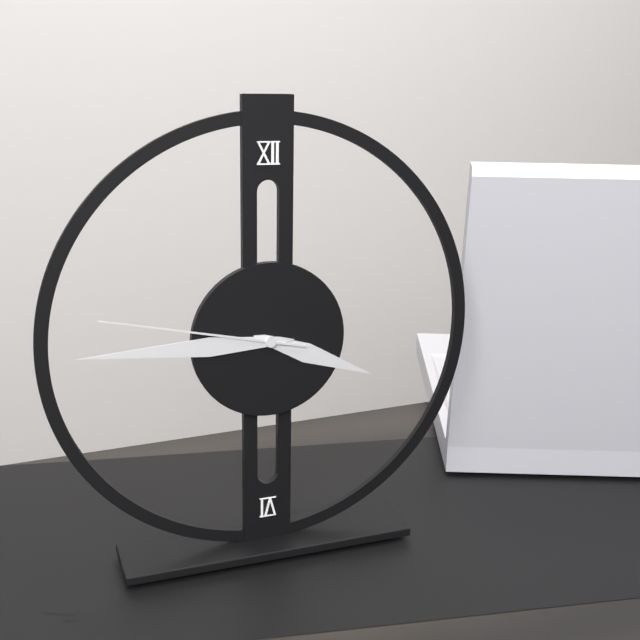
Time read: 3.45.47
